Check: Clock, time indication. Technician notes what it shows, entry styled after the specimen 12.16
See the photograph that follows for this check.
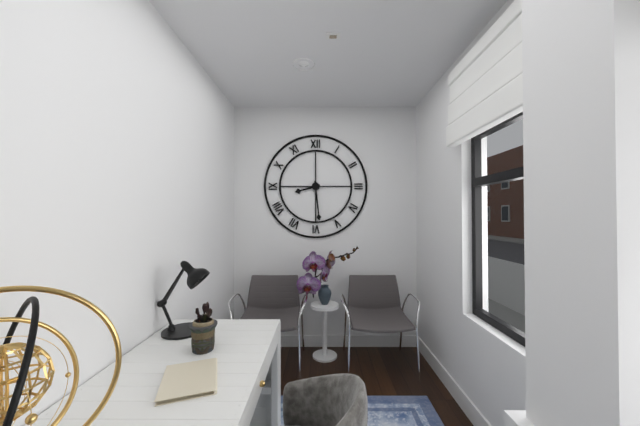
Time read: 8.29
